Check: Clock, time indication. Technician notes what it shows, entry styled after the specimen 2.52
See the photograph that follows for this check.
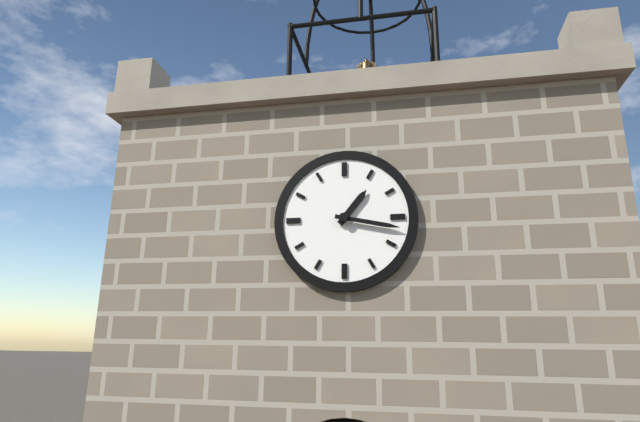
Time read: 1.17
